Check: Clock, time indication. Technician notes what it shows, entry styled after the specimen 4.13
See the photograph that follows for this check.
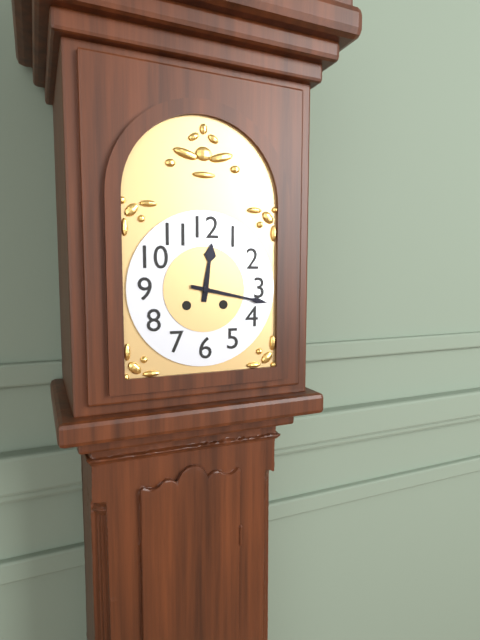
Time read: 12.17
